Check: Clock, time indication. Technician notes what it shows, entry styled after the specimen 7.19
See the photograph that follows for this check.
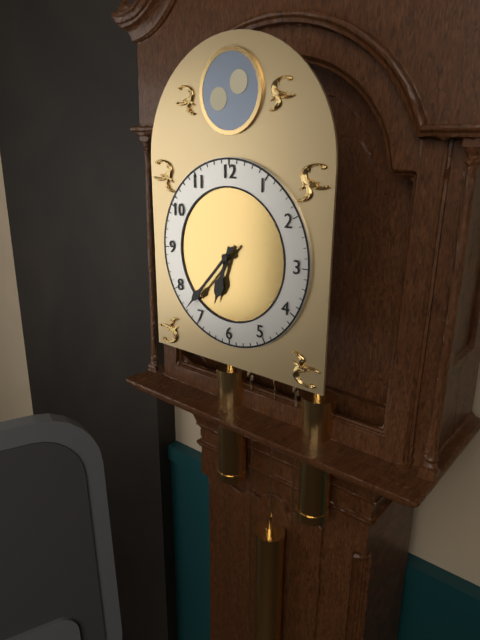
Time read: 6.37
